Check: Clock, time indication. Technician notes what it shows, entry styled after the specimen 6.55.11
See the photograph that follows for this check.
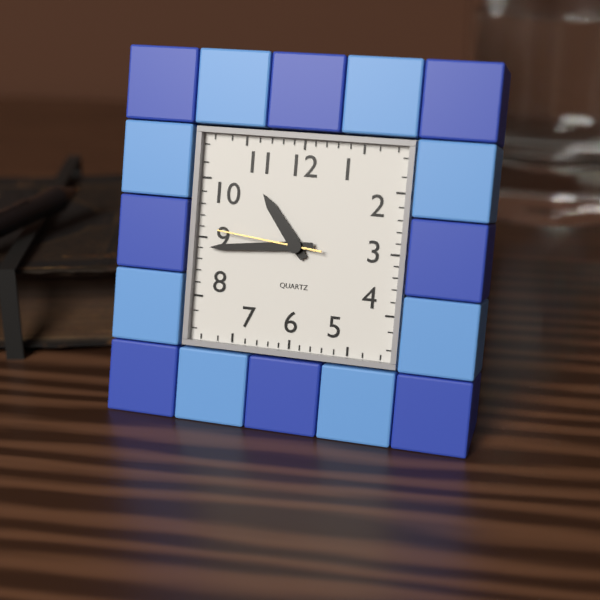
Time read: 10.44.46
